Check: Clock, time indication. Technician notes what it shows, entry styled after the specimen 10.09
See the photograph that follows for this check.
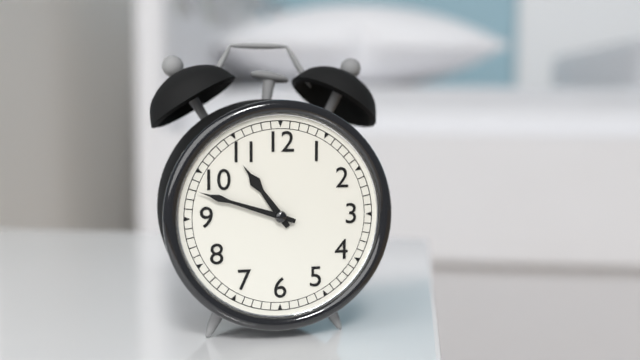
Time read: 10.48
